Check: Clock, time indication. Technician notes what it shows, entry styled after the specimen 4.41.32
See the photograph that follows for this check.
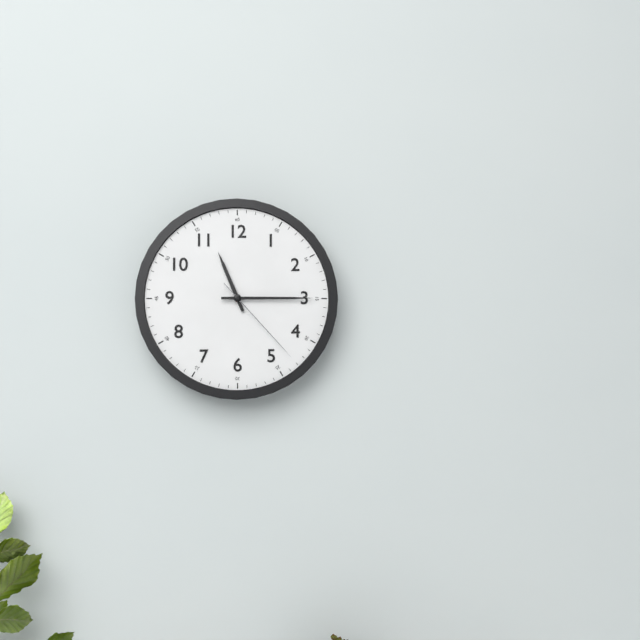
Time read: 11.15.23
